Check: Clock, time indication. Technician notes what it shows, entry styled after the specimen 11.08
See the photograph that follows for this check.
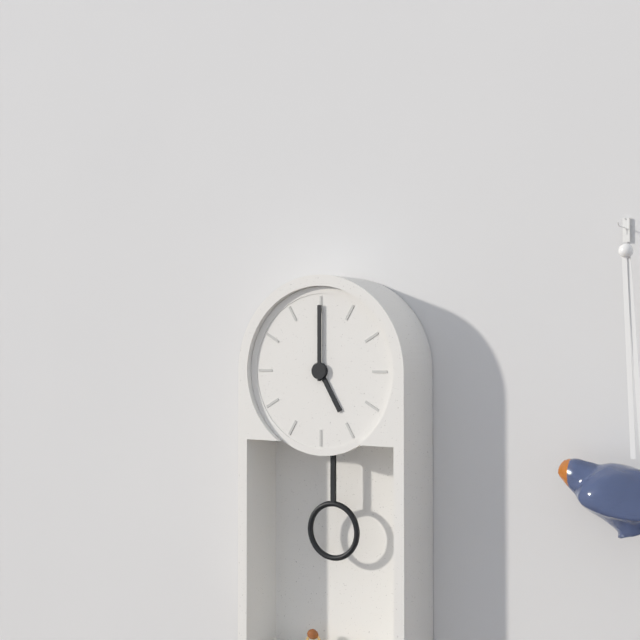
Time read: 5.00
